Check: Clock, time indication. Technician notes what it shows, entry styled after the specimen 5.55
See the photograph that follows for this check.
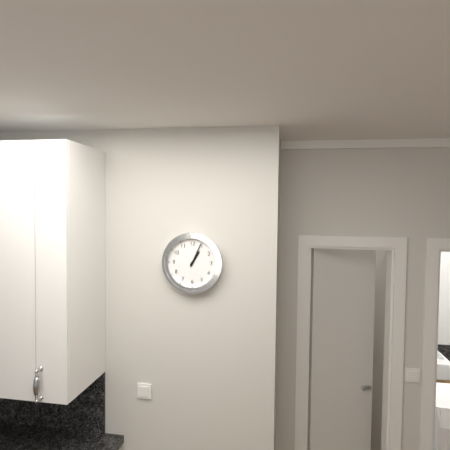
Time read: 1.04
